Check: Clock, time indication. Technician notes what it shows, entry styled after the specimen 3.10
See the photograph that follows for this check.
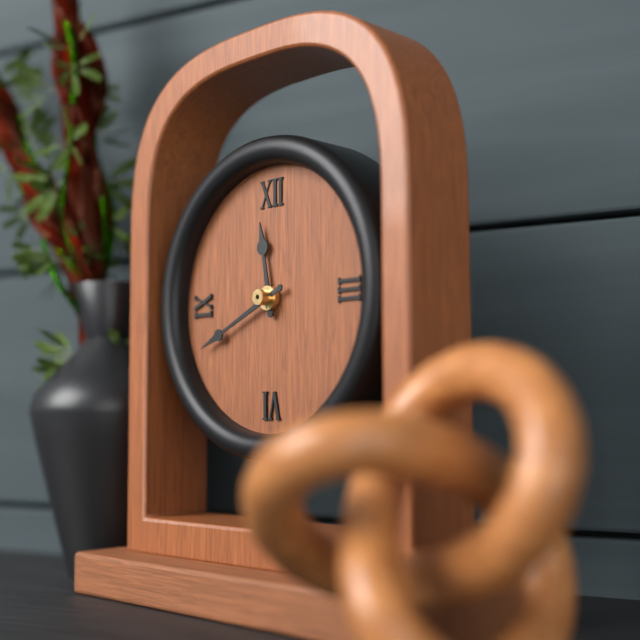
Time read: 11.41
